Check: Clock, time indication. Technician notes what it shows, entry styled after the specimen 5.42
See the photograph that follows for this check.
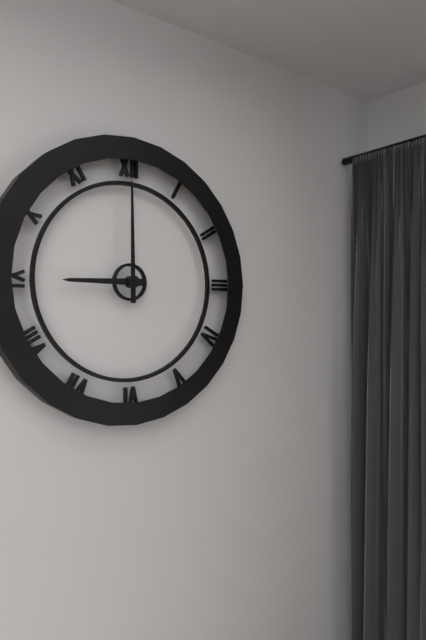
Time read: 9.00
